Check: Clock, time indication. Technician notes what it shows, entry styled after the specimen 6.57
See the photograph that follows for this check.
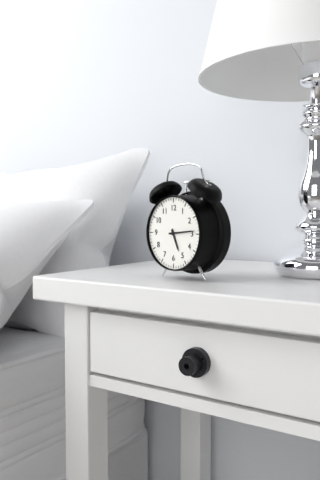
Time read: 5.14
